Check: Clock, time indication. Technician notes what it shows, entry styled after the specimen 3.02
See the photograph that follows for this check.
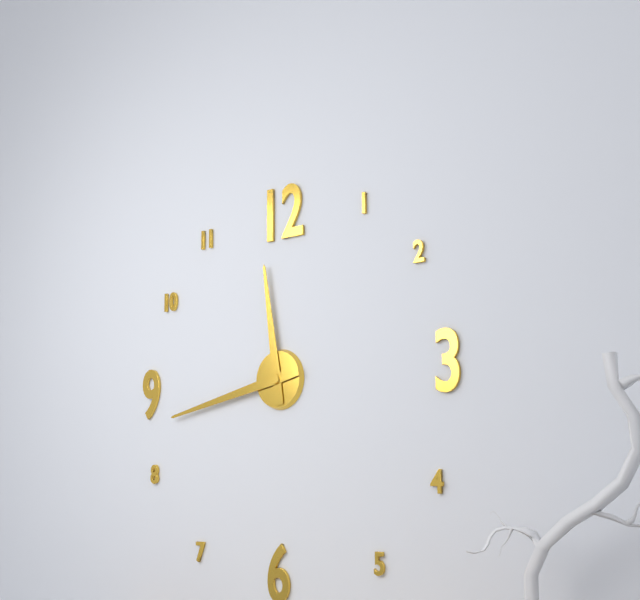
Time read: 11.43
